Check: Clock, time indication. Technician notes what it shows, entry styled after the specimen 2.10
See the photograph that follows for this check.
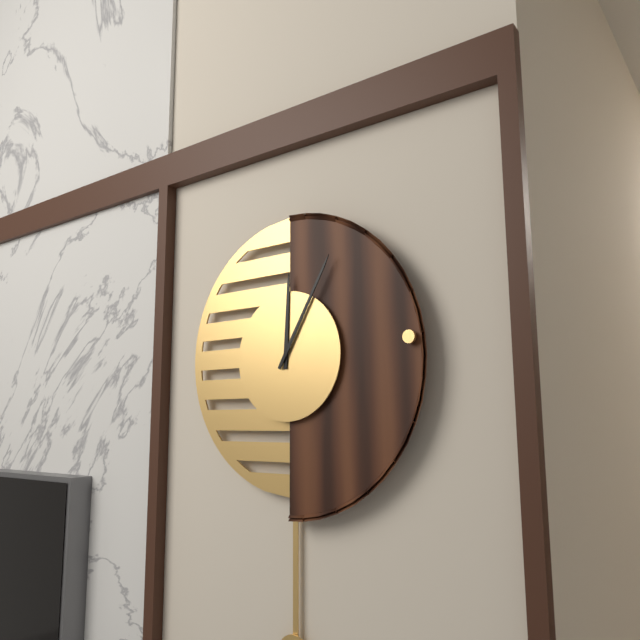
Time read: 12.05
